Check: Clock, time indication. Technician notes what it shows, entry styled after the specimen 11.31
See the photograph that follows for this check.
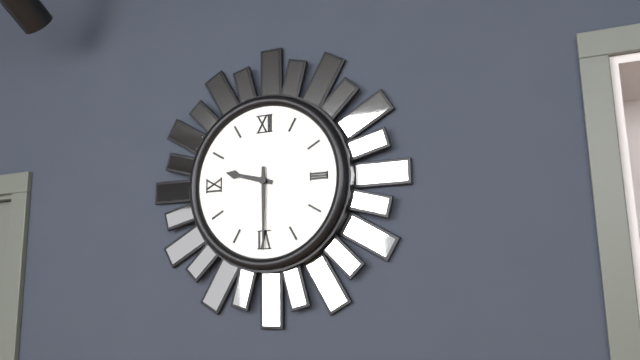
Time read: 9.30
